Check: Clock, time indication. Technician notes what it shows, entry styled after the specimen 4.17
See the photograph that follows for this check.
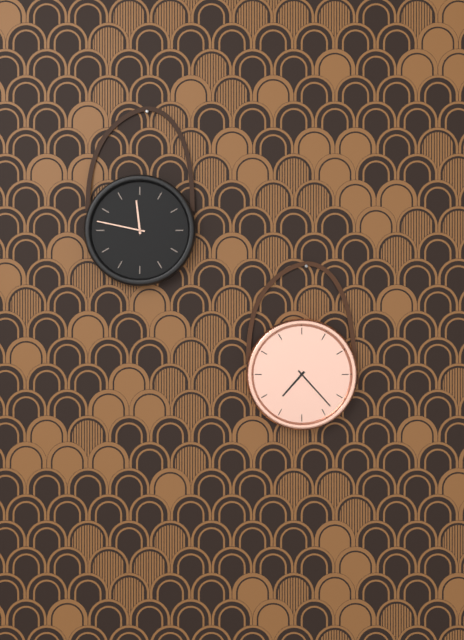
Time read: 7.23
